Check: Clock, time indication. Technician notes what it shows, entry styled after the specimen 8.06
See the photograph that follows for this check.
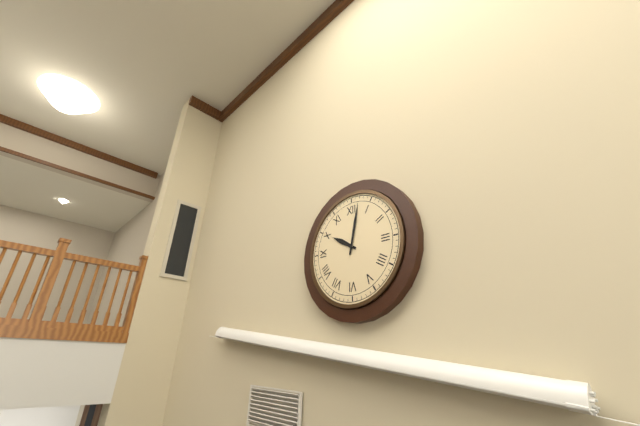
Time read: 10.02
